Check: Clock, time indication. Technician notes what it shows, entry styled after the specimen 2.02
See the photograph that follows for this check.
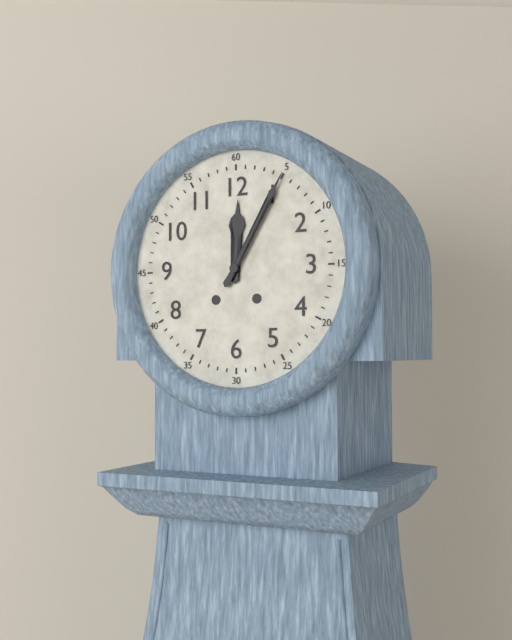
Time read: 12.05
